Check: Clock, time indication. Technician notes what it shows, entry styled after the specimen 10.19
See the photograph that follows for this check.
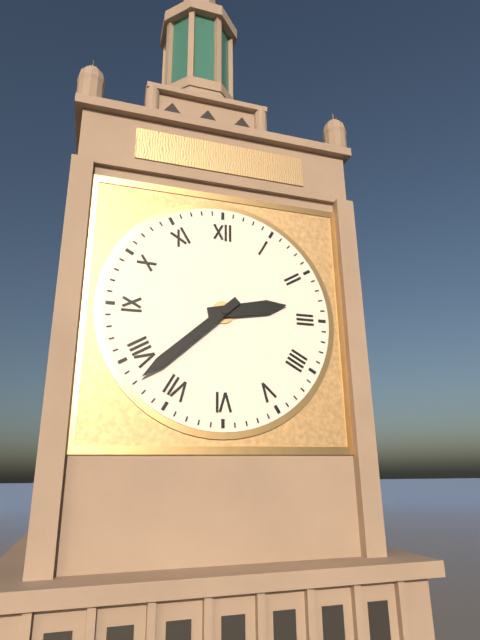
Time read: 2.38
